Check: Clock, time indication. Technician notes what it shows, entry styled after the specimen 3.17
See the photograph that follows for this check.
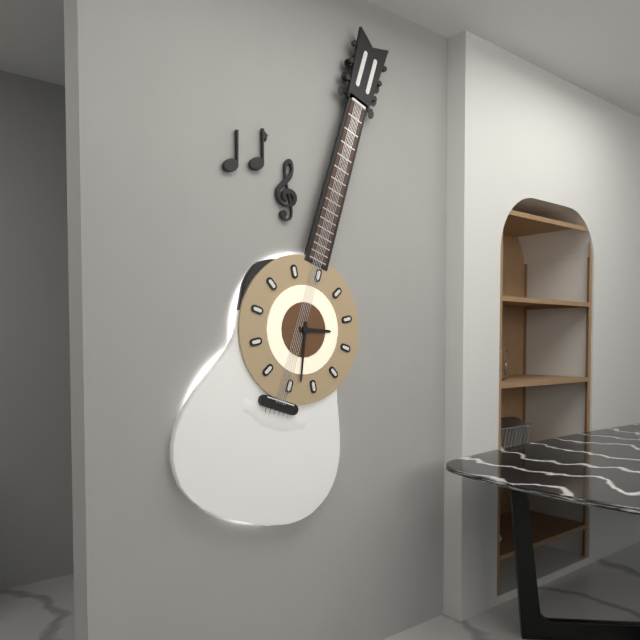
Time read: 2.28
